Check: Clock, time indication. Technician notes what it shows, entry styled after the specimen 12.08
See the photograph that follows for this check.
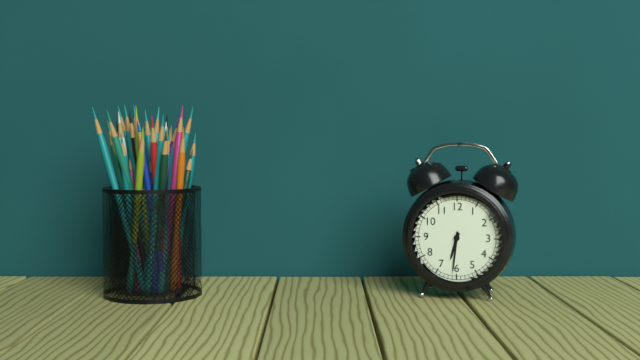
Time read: 6.31
